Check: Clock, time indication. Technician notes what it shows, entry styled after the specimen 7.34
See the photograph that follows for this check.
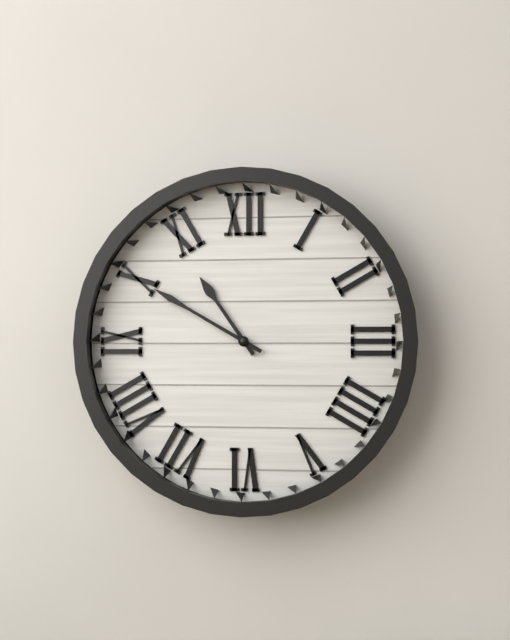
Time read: 10.50
